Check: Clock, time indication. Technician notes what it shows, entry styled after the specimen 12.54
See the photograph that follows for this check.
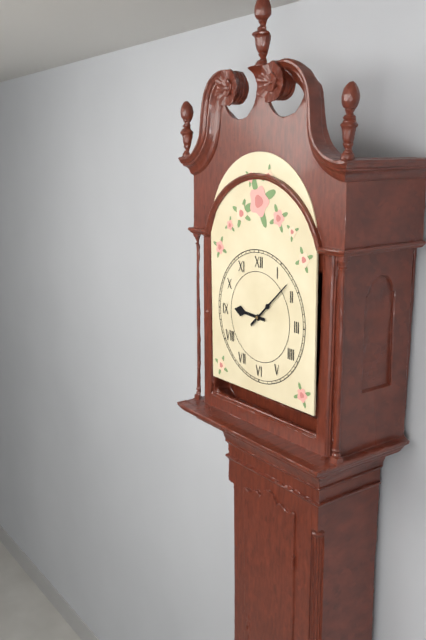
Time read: 9.08
